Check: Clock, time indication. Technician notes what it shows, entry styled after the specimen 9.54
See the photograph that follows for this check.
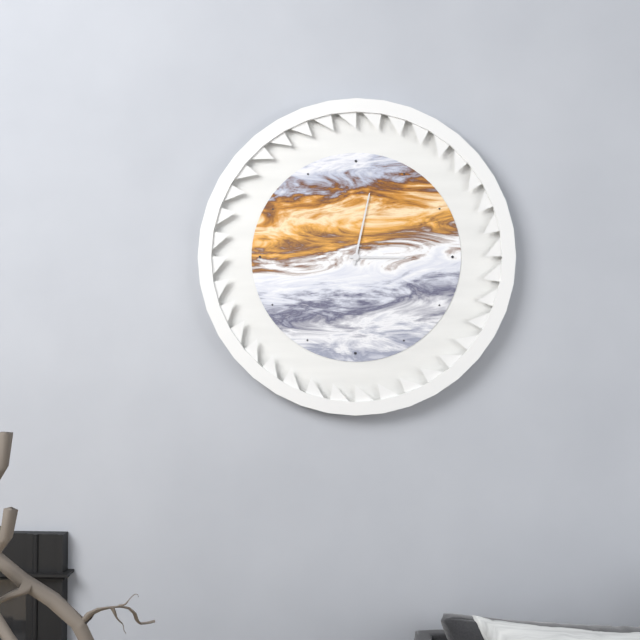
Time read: 3.02
